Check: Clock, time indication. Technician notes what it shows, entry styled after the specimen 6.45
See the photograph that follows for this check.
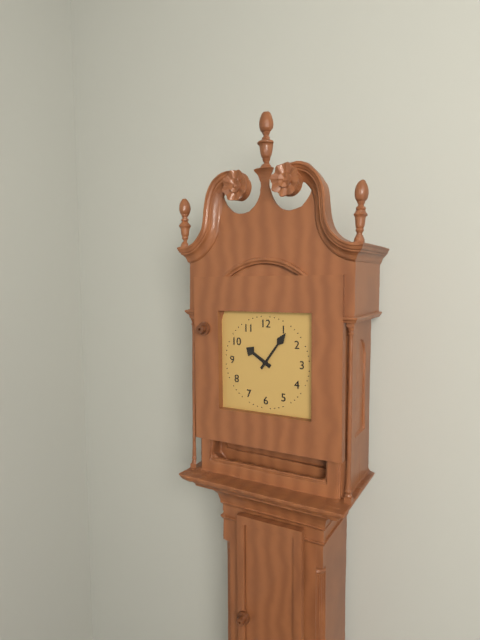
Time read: 10.06
